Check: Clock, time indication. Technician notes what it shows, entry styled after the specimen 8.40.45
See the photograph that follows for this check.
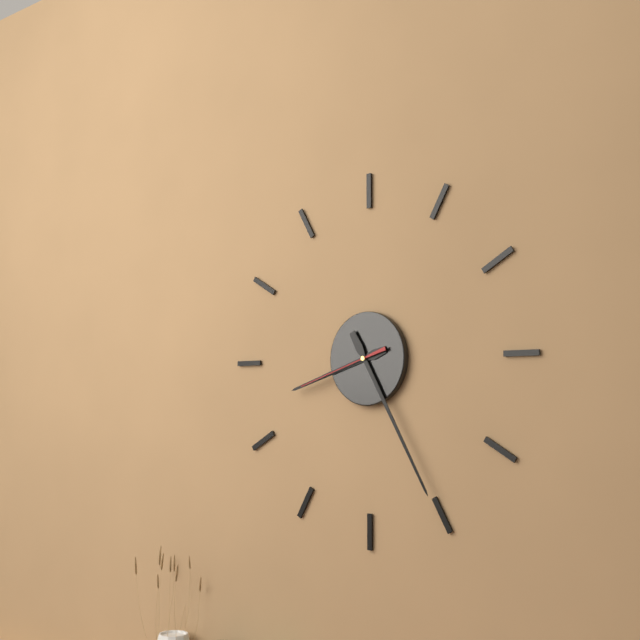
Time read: 8.25.42
